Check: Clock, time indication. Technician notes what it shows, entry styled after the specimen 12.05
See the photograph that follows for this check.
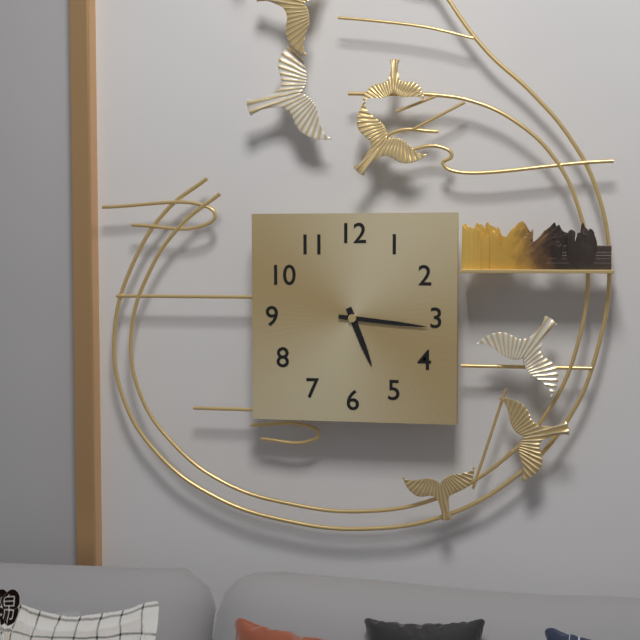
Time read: 5.16
